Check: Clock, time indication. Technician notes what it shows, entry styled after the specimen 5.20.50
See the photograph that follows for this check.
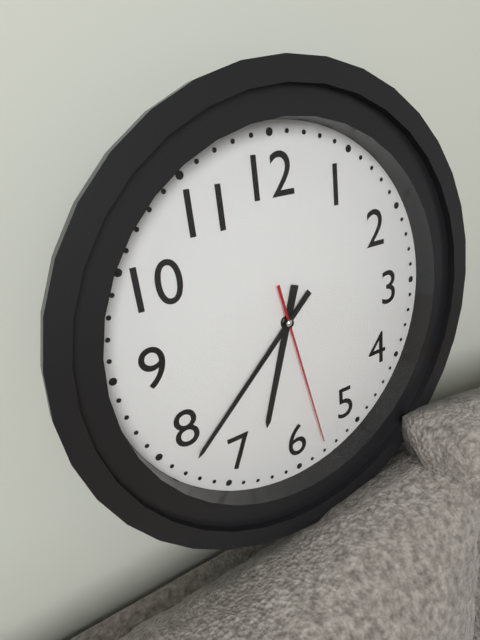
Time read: 6.38.28
